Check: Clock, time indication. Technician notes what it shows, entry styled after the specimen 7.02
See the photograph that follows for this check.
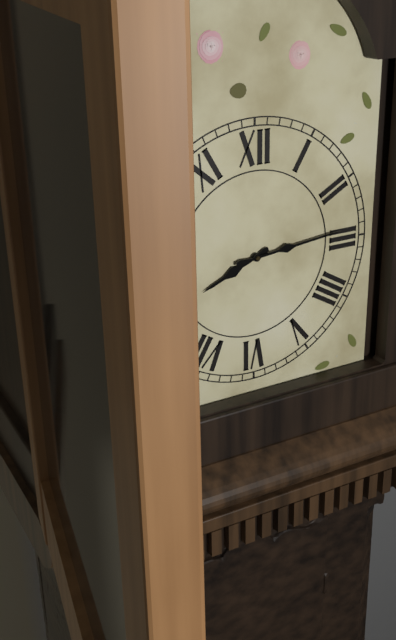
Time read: 8.14
